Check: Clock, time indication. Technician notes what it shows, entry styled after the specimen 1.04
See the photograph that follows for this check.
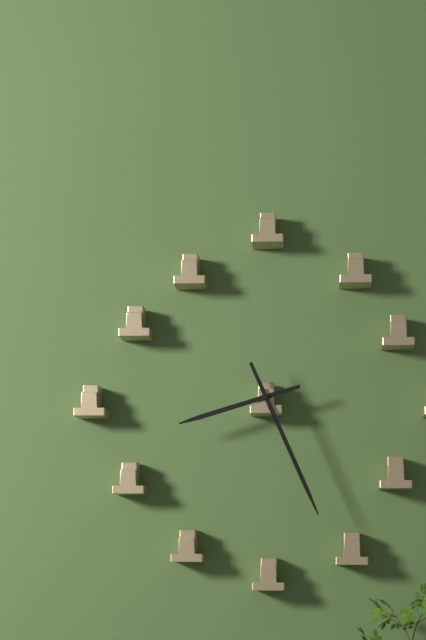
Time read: 8.26
